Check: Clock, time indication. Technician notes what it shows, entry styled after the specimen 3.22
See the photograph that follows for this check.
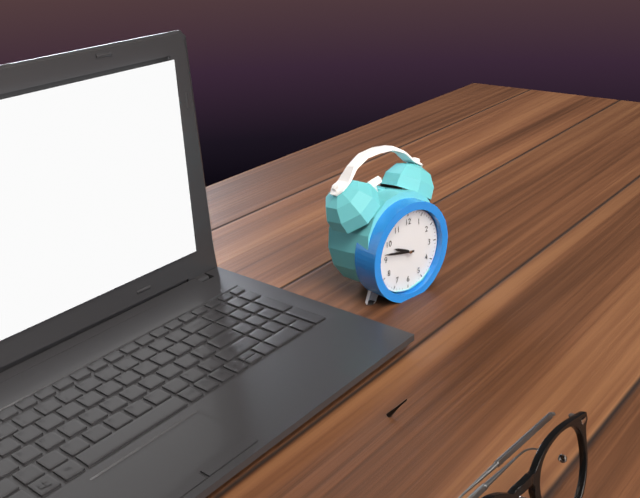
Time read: 9.47
